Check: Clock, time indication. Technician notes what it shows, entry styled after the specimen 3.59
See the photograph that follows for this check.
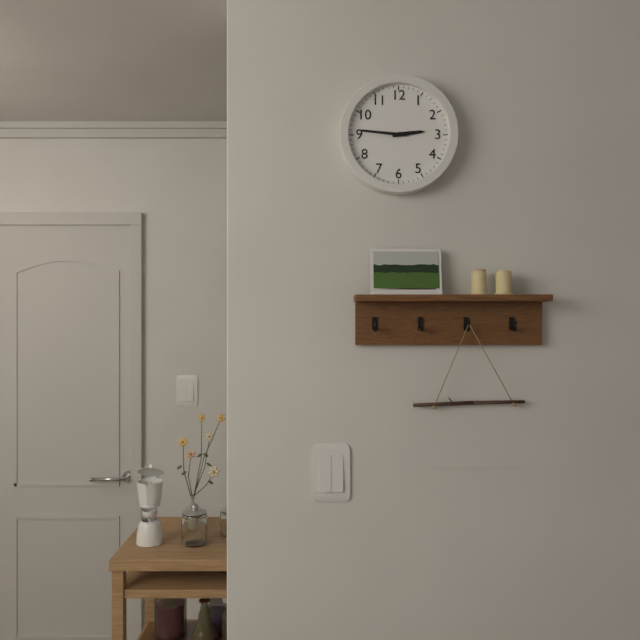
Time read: 2.46
